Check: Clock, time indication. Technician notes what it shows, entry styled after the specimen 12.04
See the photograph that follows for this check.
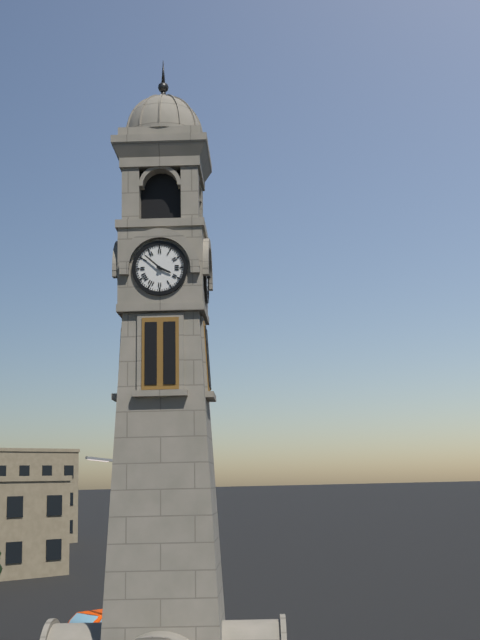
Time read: 3.52
